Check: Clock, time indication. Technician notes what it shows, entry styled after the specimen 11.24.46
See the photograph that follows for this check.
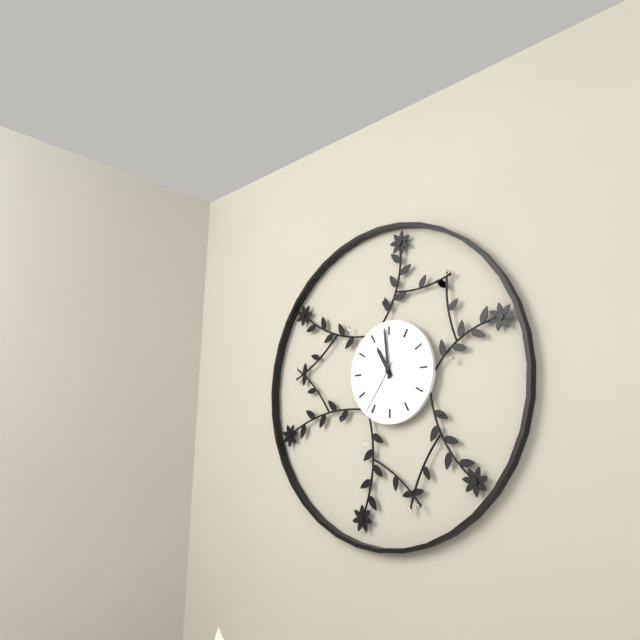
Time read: 10.59.36
